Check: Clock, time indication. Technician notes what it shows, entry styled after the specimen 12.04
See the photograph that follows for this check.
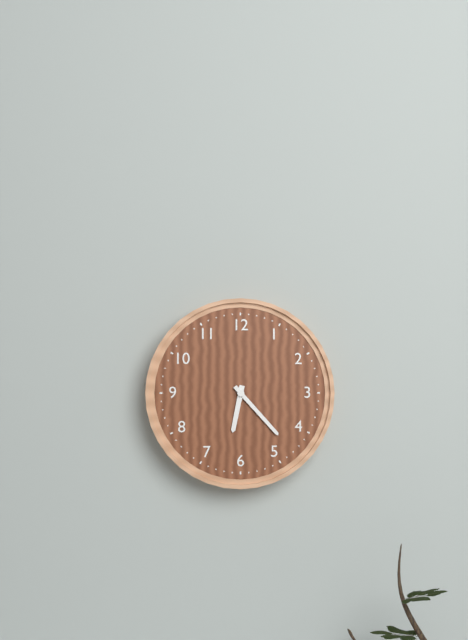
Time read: 6.23
